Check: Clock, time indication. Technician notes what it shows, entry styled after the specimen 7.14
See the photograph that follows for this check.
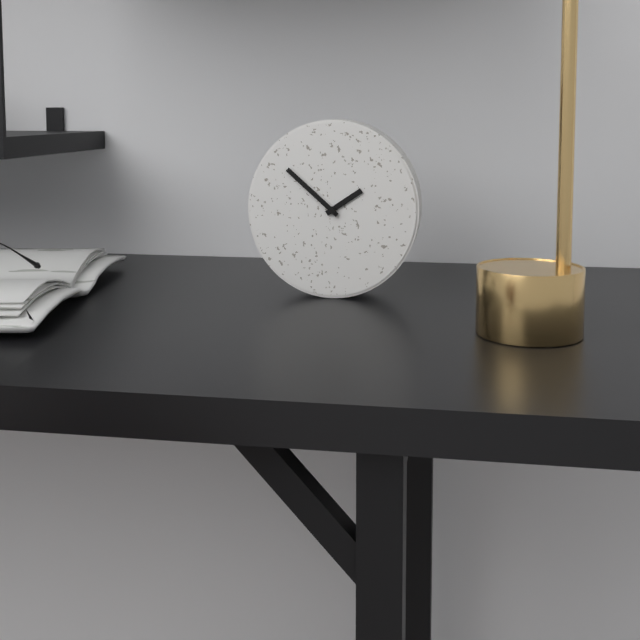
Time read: 1.52
